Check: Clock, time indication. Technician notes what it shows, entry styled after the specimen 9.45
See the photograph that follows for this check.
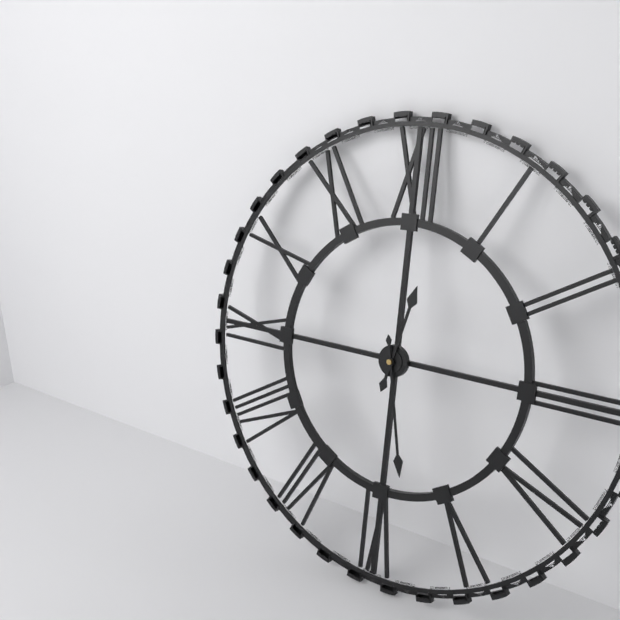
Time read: 12.28
